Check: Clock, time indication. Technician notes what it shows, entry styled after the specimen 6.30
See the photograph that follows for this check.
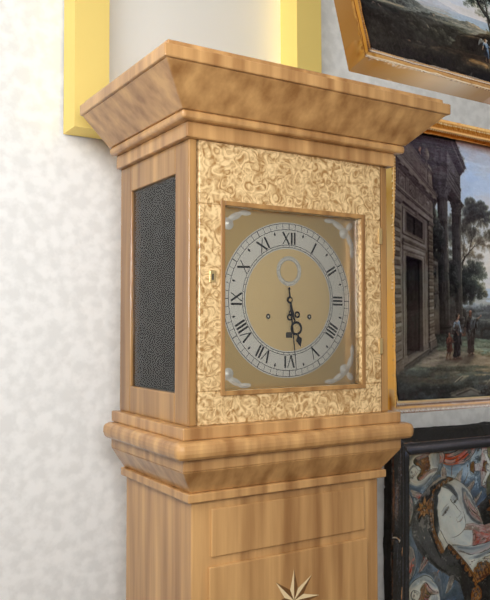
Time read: 5.29
